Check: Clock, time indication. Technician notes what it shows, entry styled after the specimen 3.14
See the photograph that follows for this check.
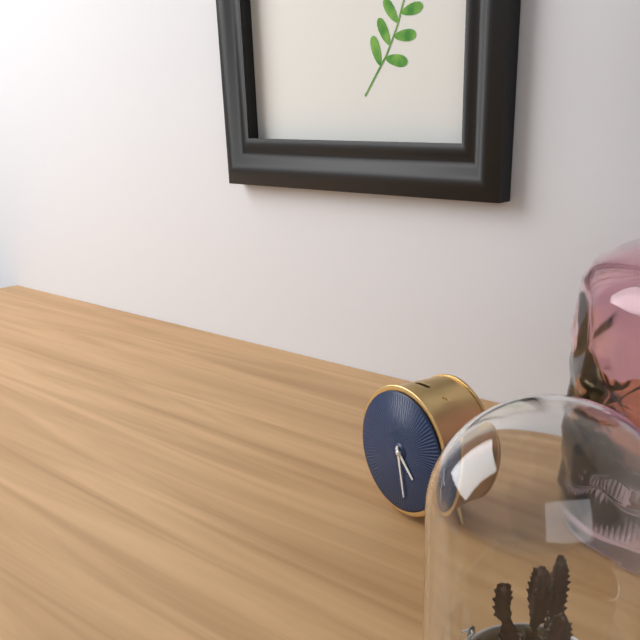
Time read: 4.28
